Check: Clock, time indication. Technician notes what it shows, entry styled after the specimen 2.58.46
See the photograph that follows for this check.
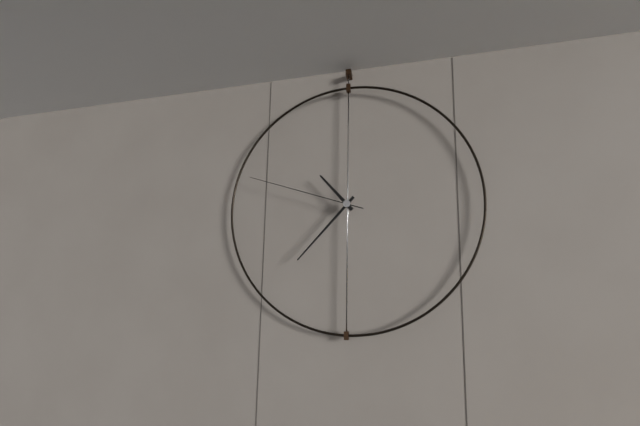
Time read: 10.37.48
